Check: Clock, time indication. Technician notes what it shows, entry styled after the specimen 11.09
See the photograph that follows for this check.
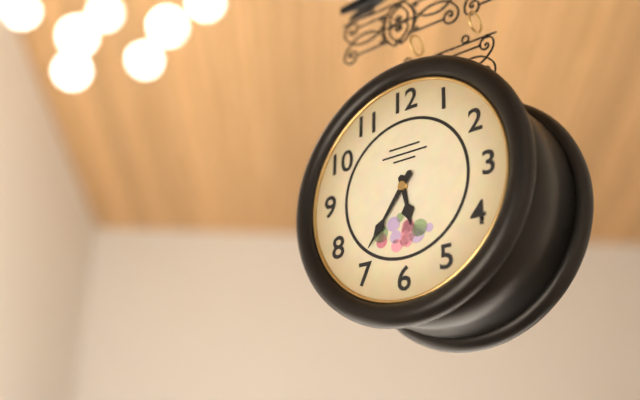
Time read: 5.36
